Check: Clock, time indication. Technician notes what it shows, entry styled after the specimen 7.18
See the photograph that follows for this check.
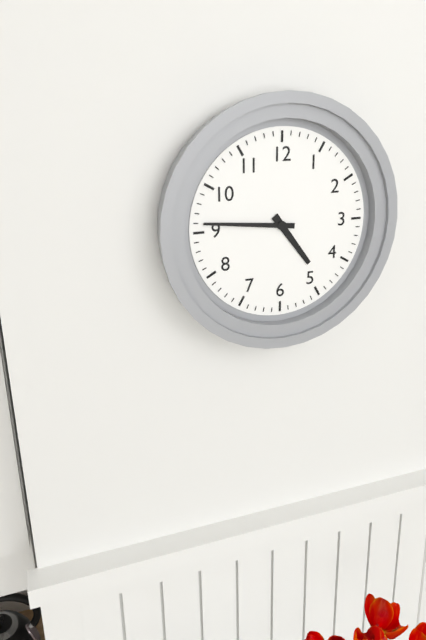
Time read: 4.46
